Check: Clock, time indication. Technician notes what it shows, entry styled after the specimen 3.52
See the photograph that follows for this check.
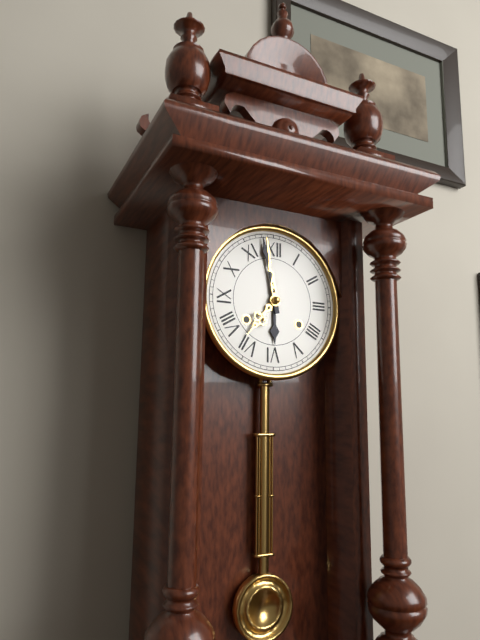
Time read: 5.58
